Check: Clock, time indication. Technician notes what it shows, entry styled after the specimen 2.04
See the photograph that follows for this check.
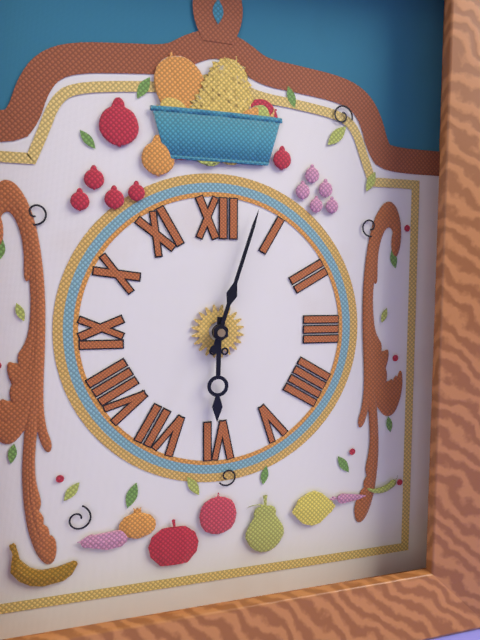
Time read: 6.03
